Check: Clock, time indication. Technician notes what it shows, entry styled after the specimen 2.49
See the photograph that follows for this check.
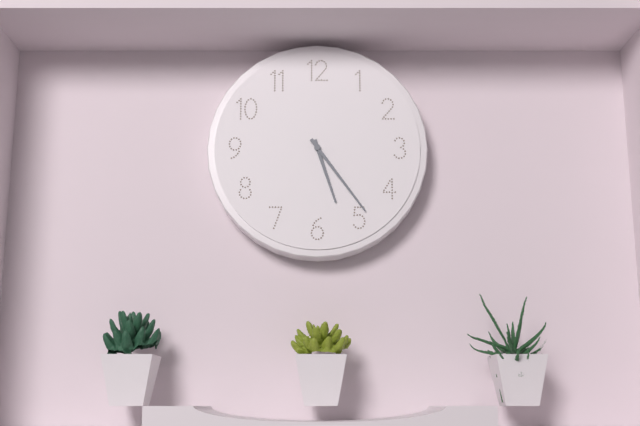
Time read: 5.24
